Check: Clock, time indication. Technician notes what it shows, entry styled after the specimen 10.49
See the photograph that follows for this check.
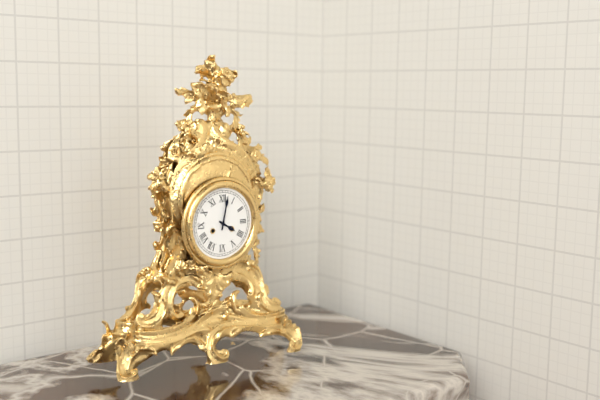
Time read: 4.02
